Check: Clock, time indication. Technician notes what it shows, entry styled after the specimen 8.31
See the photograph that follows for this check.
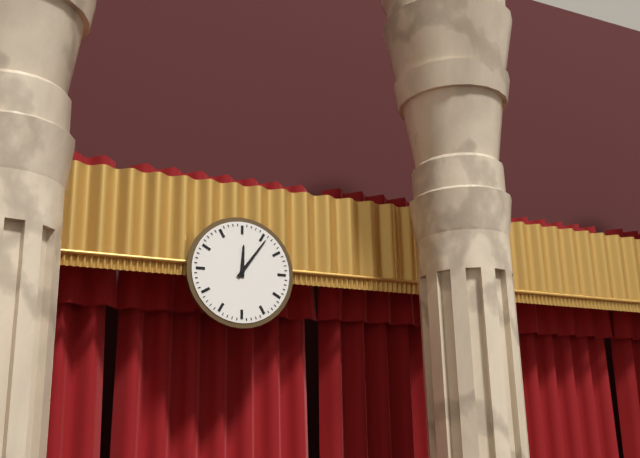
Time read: 12.06
